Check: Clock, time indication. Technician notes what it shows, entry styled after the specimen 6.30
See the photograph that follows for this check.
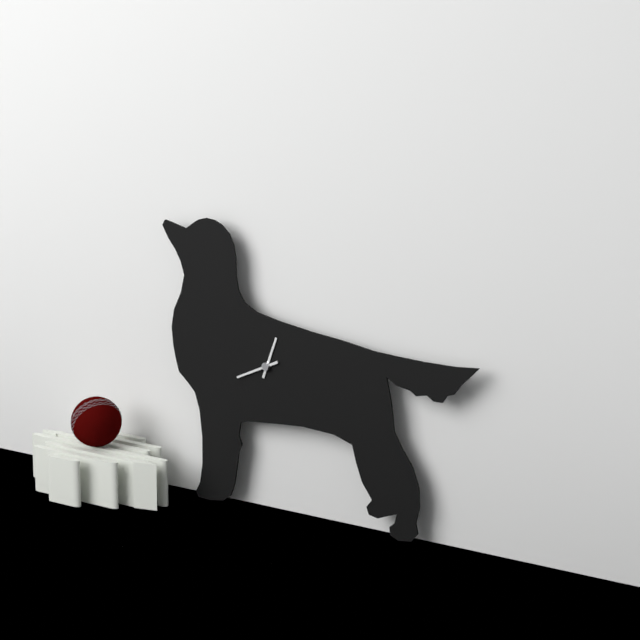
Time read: 12.41
